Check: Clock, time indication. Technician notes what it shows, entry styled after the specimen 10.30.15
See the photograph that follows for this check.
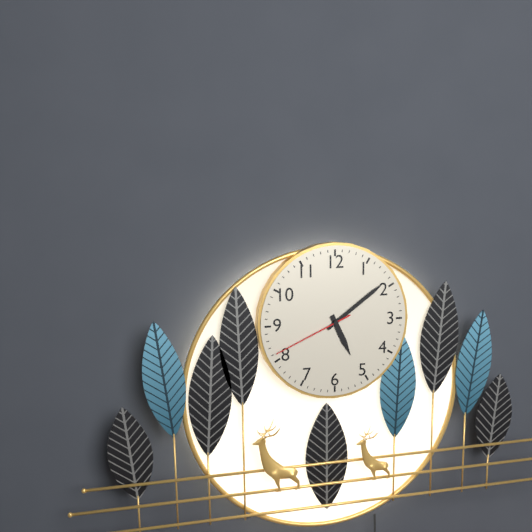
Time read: 5.09.41
